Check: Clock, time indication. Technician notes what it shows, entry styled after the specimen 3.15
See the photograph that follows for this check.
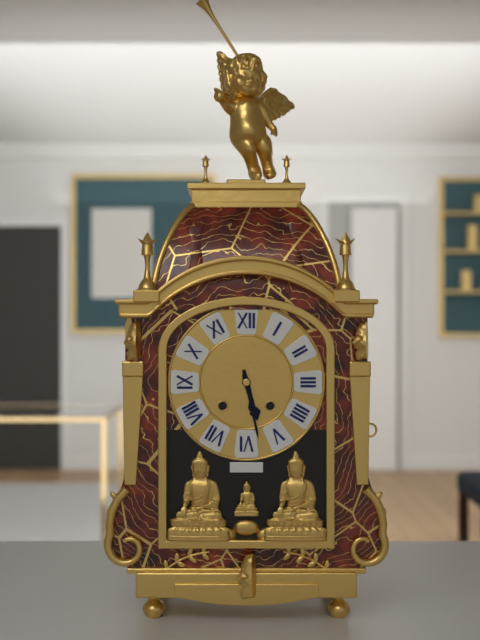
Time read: 5.28
